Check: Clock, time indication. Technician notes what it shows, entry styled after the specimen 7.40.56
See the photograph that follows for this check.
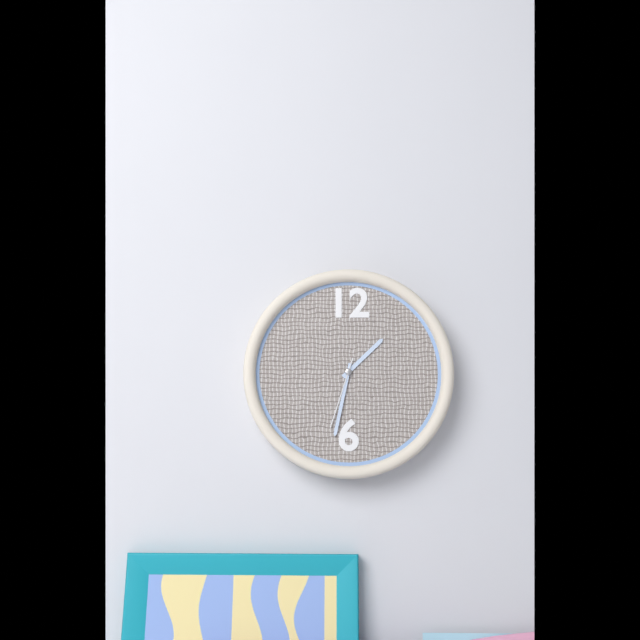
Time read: 1.32.33
